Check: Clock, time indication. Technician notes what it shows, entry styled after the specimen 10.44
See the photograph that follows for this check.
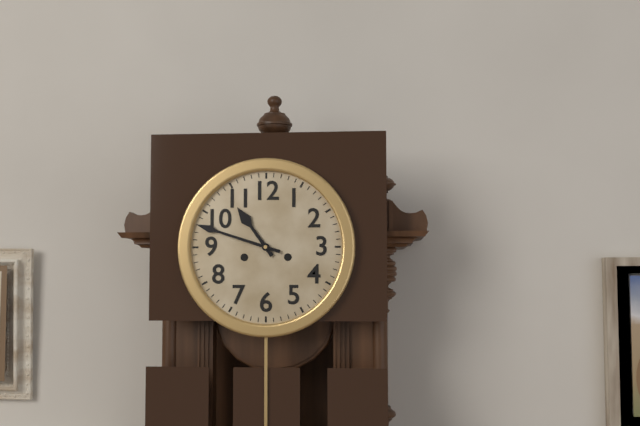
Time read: 10.48
